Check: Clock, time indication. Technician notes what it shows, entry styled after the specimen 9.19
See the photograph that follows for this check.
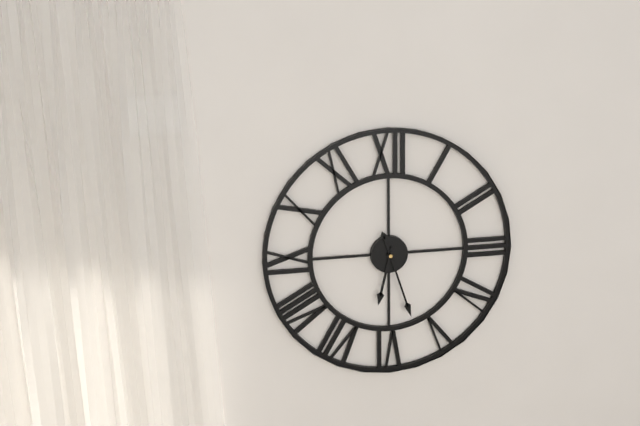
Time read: 6.27
